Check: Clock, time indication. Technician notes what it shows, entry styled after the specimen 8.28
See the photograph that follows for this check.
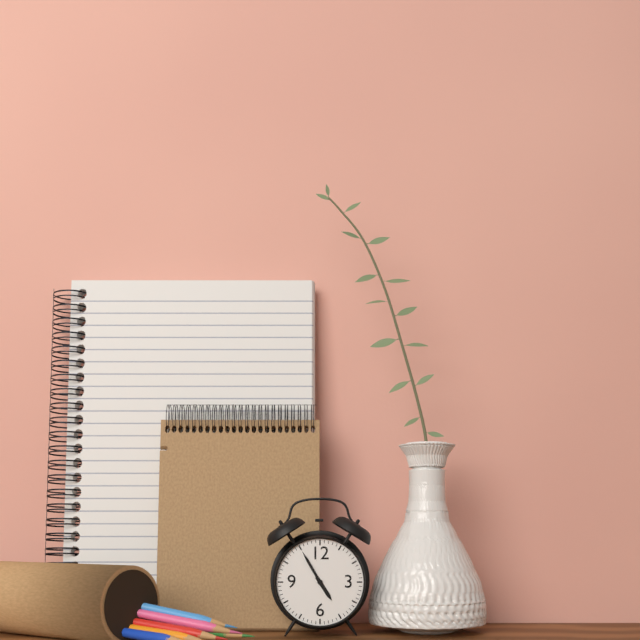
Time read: 4.55
